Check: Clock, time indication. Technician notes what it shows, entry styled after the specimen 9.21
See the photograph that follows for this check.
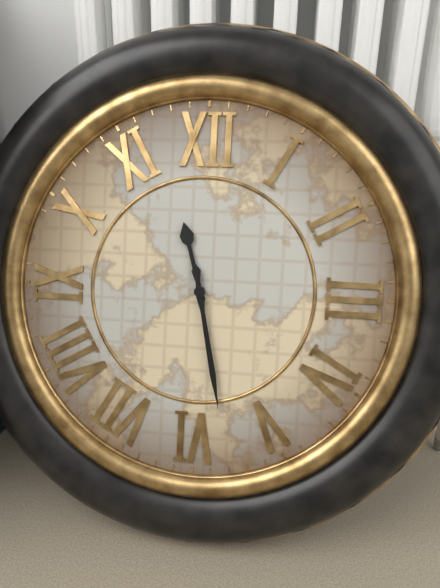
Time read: 11.28
